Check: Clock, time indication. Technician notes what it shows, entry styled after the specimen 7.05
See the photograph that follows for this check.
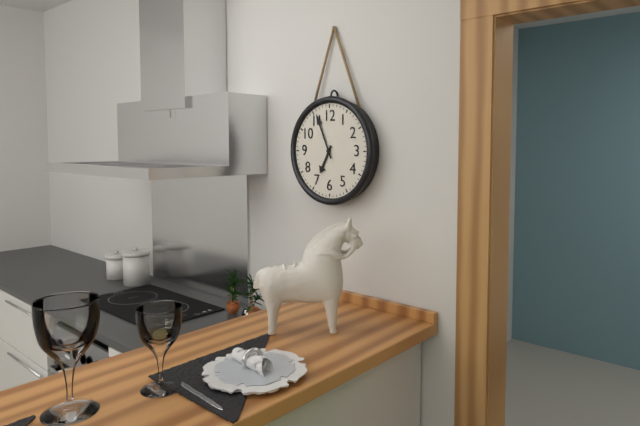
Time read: 6.56
